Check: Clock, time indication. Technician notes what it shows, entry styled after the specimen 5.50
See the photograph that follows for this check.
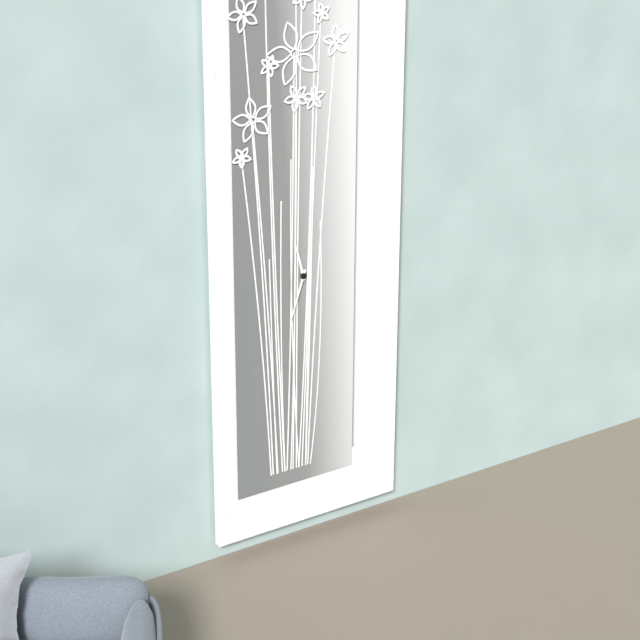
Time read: 11.33
